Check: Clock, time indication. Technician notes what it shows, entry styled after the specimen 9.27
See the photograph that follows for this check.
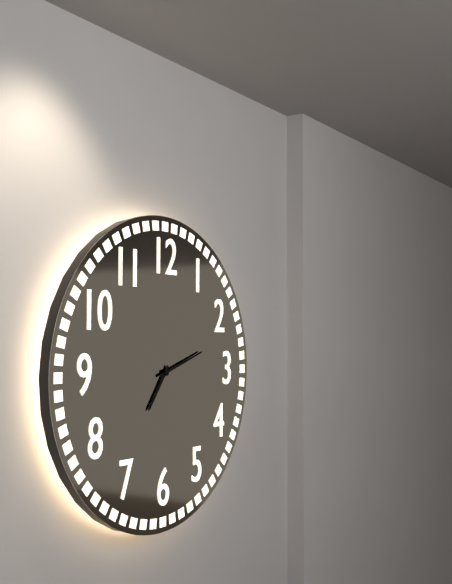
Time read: 7.12
